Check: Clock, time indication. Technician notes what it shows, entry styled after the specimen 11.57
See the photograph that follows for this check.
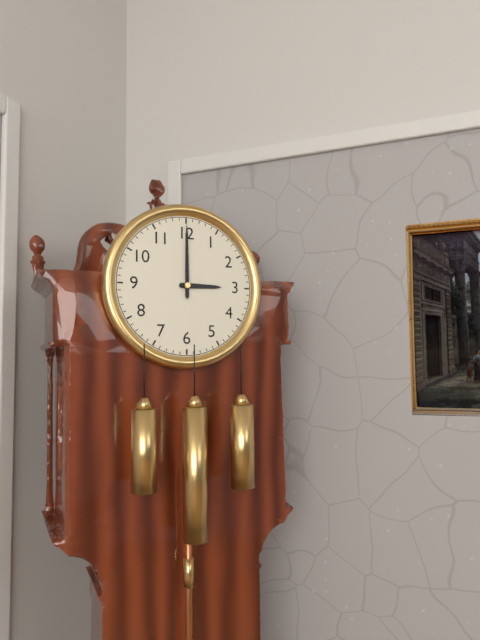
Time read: 3.00
